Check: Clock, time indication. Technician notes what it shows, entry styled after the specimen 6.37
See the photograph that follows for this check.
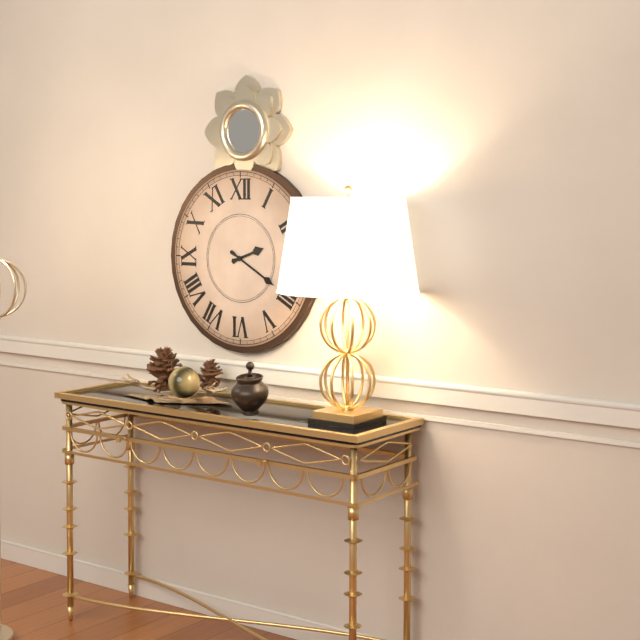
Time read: 2.20
